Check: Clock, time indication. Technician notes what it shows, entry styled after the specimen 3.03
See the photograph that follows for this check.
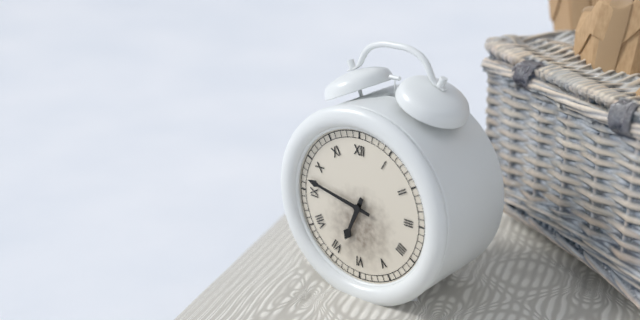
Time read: 6.47
